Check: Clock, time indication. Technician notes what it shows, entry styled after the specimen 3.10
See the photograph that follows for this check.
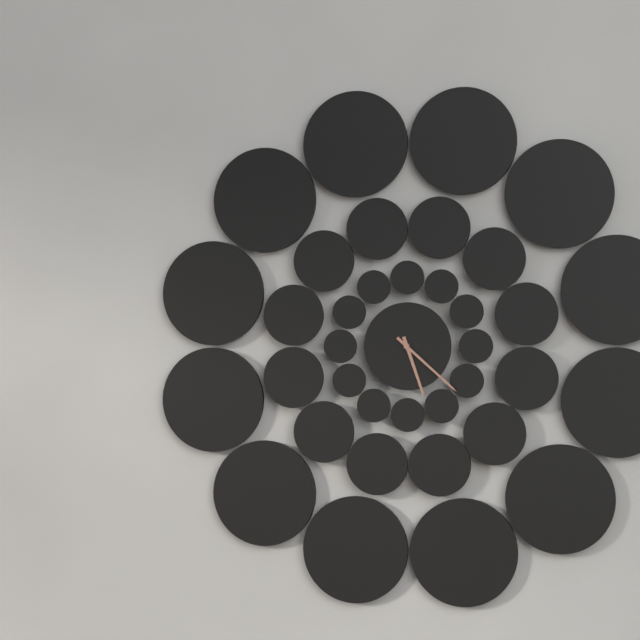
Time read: 5.22
